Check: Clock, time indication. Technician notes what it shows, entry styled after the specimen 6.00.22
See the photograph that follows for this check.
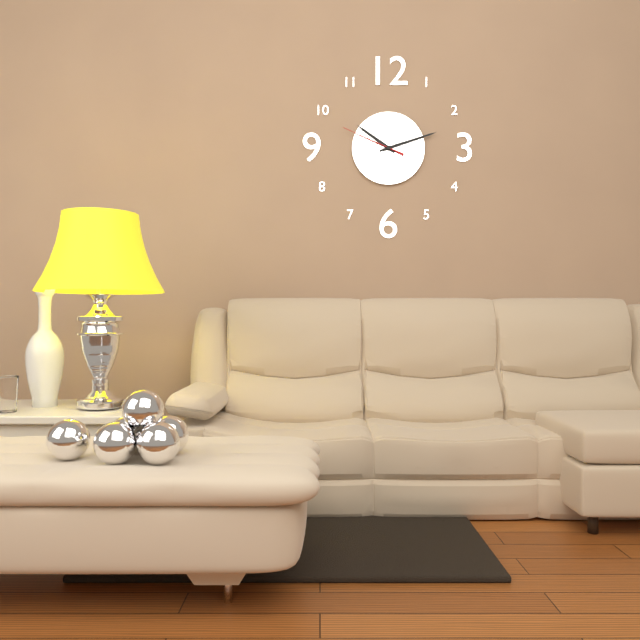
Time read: 10.12.49
